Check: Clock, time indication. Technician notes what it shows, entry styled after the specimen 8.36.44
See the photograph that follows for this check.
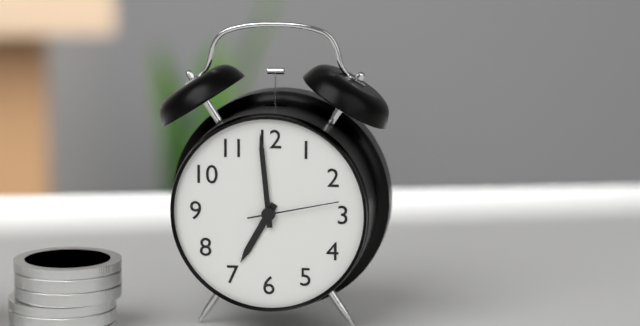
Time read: 6.59.13
